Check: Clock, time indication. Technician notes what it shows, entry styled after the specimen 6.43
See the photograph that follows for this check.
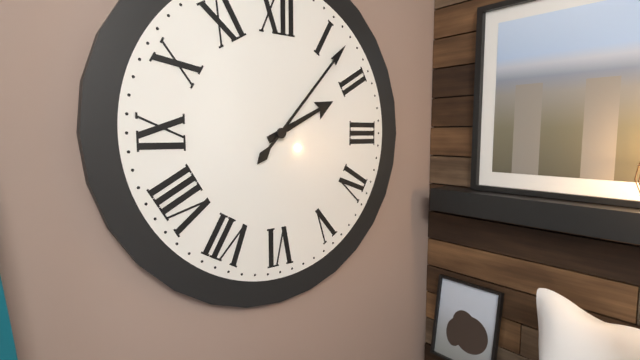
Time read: 2.07
